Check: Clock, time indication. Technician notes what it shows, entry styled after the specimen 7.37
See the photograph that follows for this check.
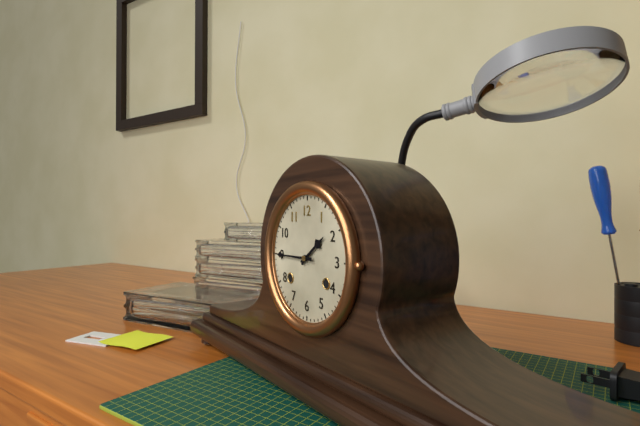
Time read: 1.45
